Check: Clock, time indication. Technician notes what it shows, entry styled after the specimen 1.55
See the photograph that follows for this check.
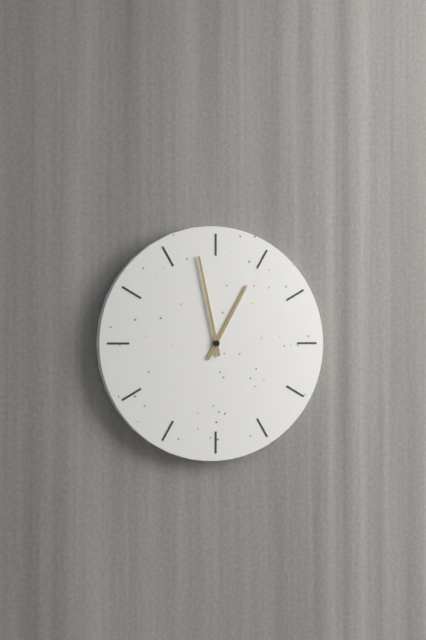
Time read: 12.58
